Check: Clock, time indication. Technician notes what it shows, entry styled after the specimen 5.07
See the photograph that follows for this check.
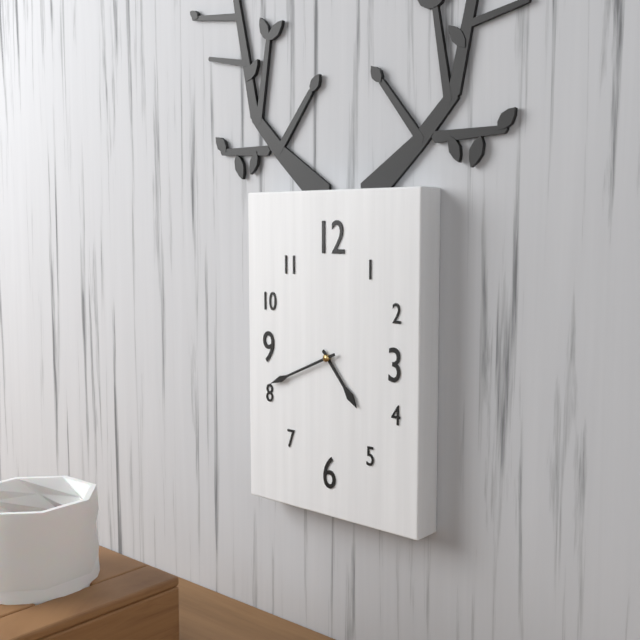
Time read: 4.41
